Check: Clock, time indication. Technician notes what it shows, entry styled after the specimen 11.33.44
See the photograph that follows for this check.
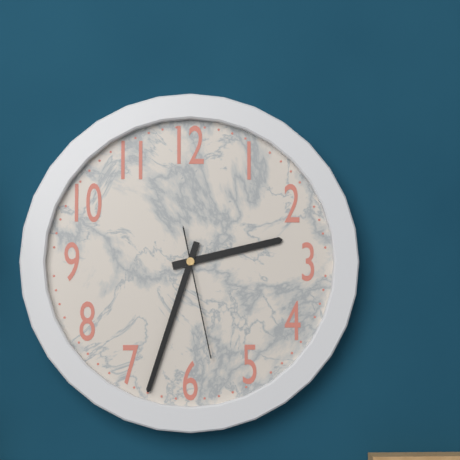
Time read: 2.33.28
